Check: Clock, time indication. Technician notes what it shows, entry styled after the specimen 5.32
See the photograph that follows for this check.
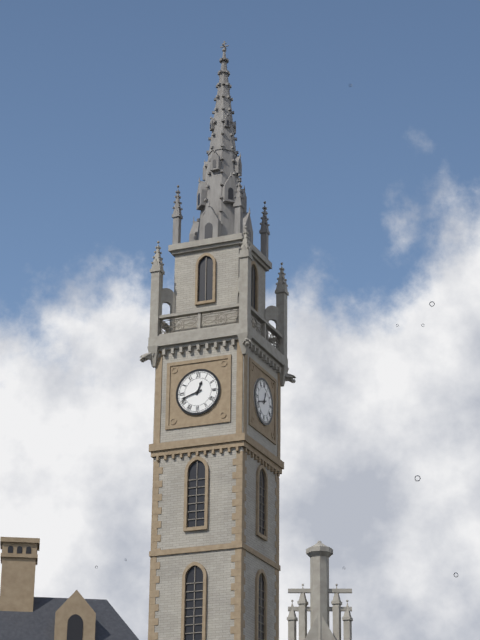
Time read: 12.42
